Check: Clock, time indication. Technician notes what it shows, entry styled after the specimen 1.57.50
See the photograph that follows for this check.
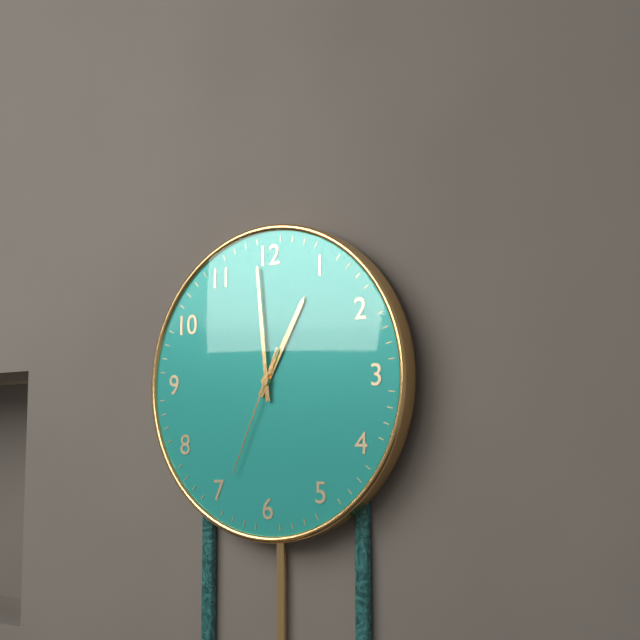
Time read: 12.59.34
